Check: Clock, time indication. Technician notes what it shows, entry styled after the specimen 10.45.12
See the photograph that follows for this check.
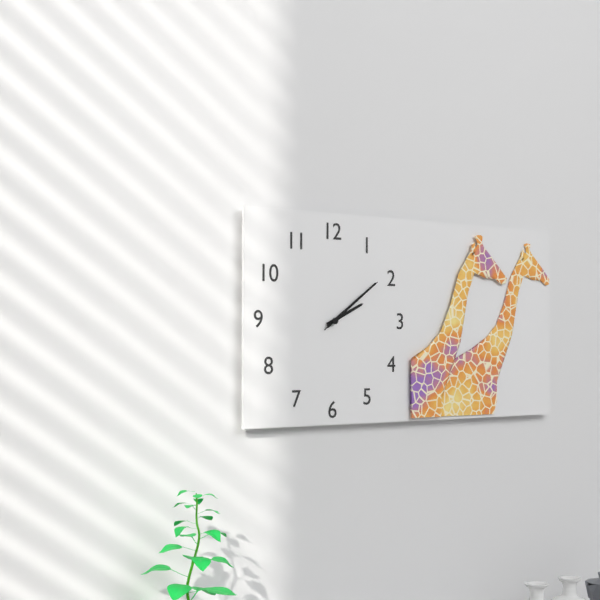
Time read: 2.09.09
